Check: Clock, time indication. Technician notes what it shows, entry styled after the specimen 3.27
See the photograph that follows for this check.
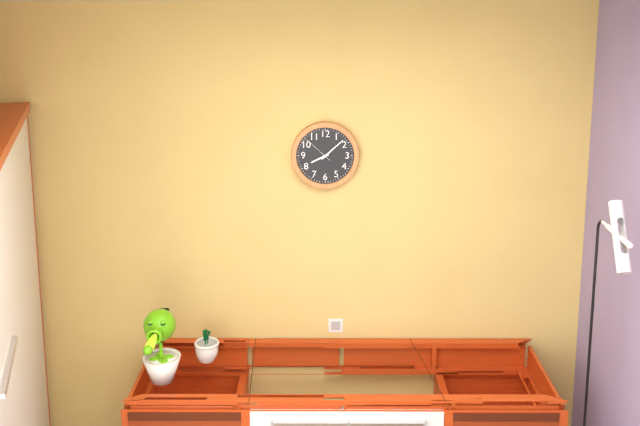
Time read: 8.08
